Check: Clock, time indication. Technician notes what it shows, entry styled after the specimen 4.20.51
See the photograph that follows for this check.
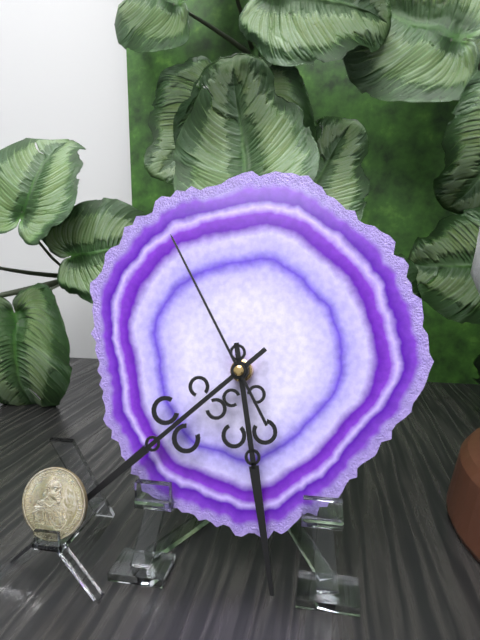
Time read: 5.38.55
